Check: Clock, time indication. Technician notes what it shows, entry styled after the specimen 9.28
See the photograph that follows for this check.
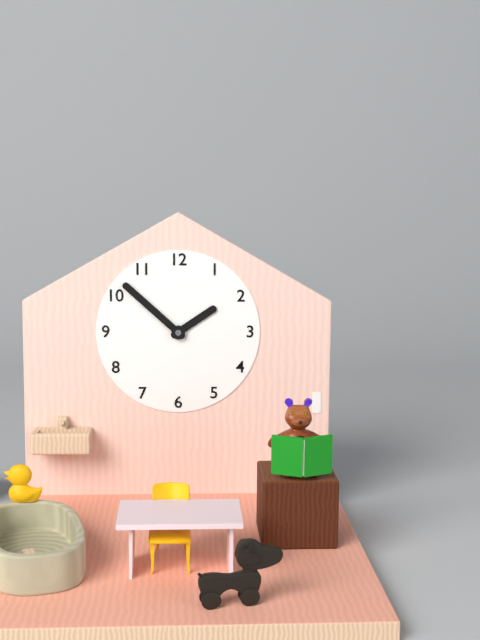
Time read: 1.52
